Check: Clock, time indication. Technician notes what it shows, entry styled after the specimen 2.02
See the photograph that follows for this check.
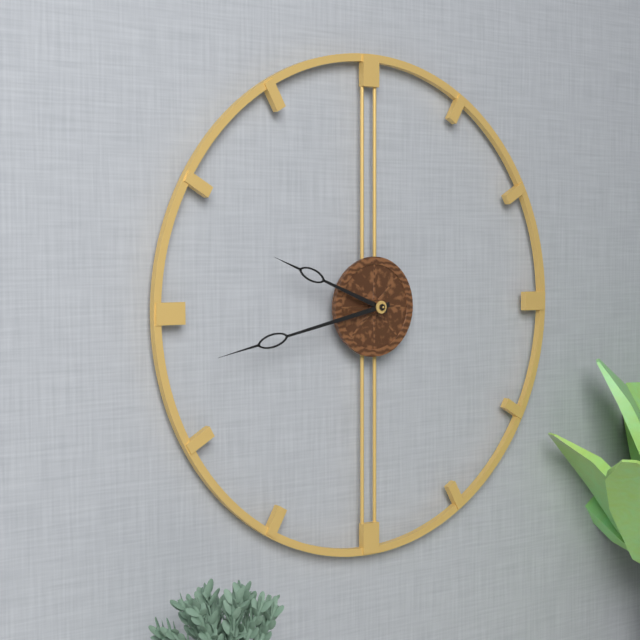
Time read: 9.43
